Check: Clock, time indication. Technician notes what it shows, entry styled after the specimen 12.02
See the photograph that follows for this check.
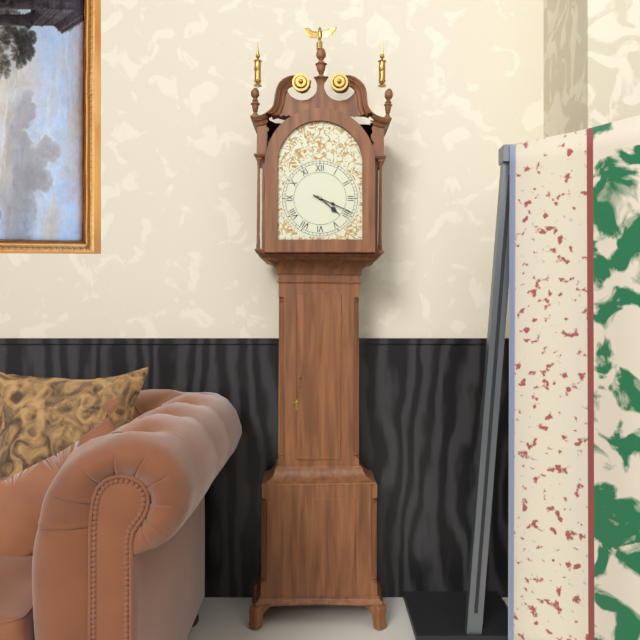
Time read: 4.19
